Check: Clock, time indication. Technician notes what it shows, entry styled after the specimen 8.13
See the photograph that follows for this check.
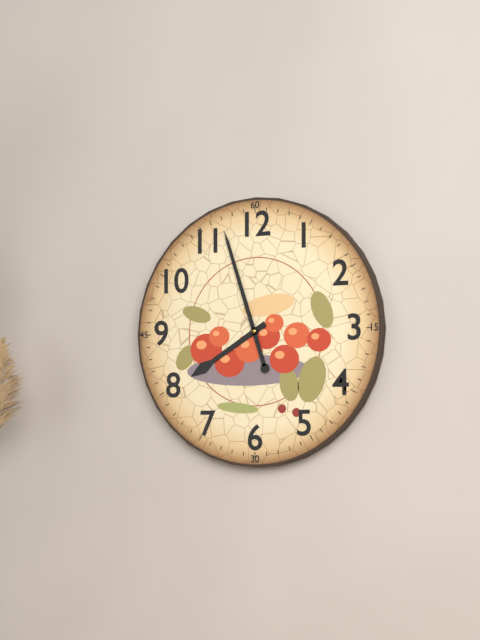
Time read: 7.57
